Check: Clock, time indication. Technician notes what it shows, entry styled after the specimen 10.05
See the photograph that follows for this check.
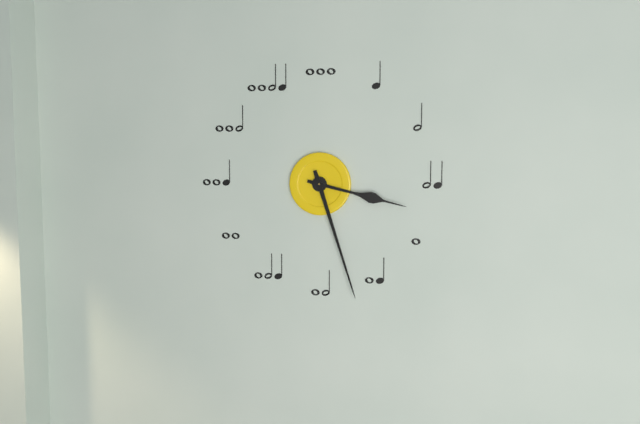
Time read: 3.27
